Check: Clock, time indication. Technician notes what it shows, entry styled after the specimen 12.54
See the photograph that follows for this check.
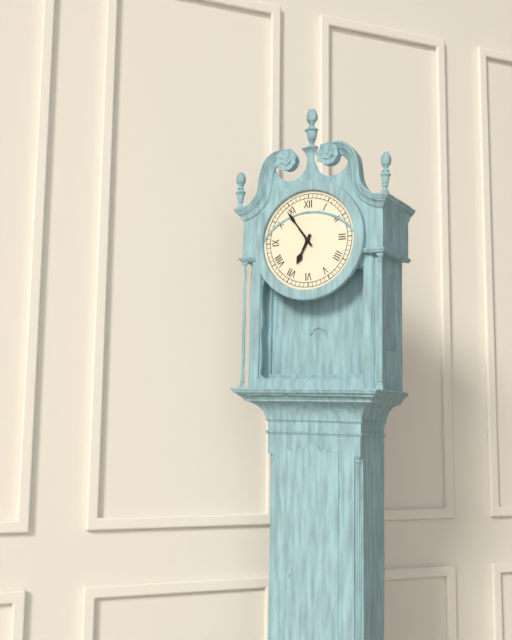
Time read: 6.54
